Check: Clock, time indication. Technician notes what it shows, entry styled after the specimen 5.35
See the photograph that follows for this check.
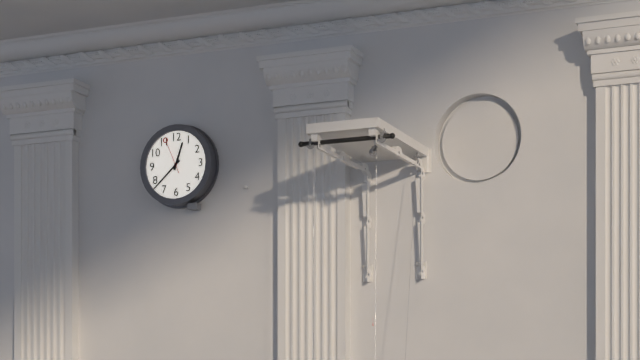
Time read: 12.38
